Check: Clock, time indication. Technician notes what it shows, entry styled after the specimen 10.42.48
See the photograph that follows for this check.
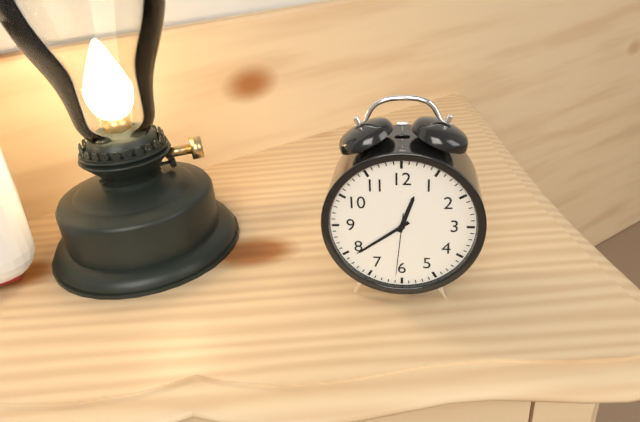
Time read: 12.39.31
